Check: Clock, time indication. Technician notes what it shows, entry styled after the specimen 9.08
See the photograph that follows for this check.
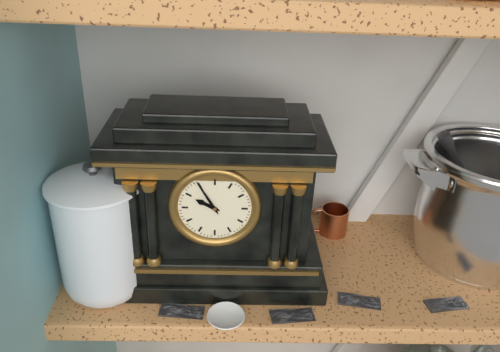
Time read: 9.55
